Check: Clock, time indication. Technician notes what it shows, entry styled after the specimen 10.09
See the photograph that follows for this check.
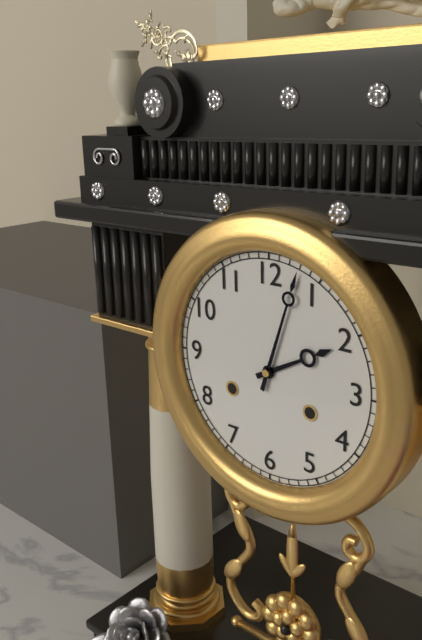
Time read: 2.03
